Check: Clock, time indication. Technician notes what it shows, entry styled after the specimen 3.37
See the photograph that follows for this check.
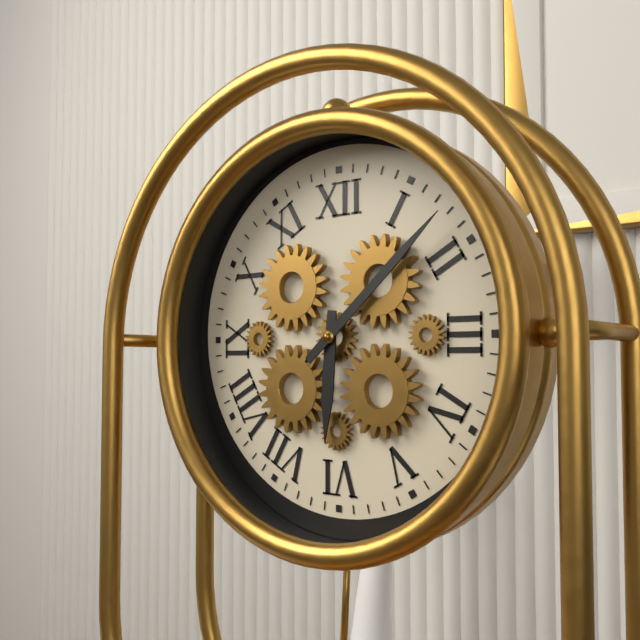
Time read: 6.08
